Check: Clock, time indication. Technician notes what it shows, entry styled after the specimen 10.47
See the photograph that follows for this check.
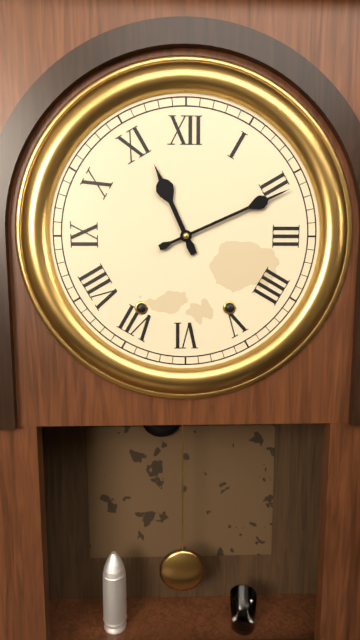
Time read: 11.11
